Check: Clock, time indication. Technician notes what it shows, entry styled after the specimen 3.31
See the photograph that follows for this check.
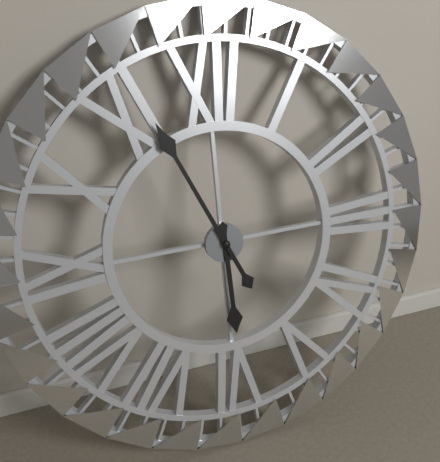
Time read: 5.56
